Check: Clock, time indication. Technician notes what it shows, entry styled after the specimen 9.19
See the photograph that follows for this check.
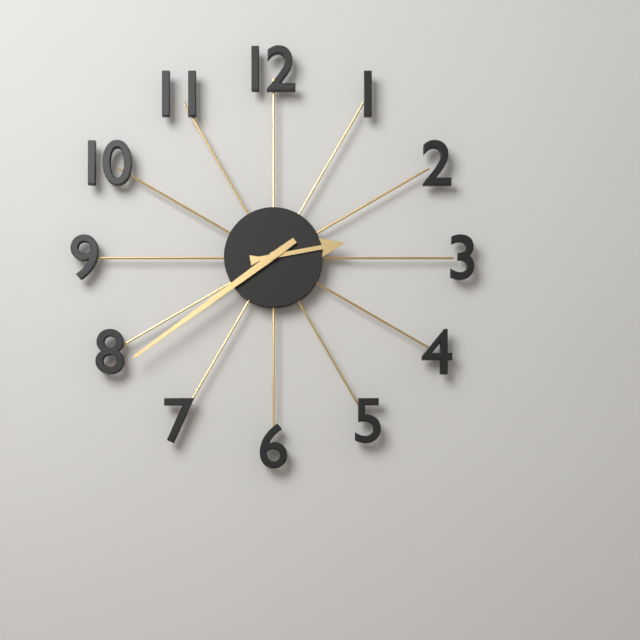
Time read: 2.39
